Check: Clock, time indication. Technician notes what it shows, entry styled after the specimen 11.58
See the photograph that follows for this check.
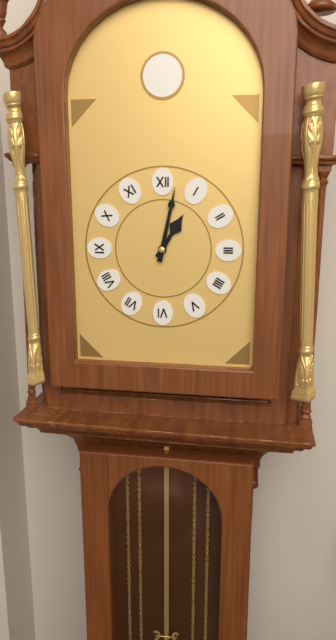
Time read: 1.02
